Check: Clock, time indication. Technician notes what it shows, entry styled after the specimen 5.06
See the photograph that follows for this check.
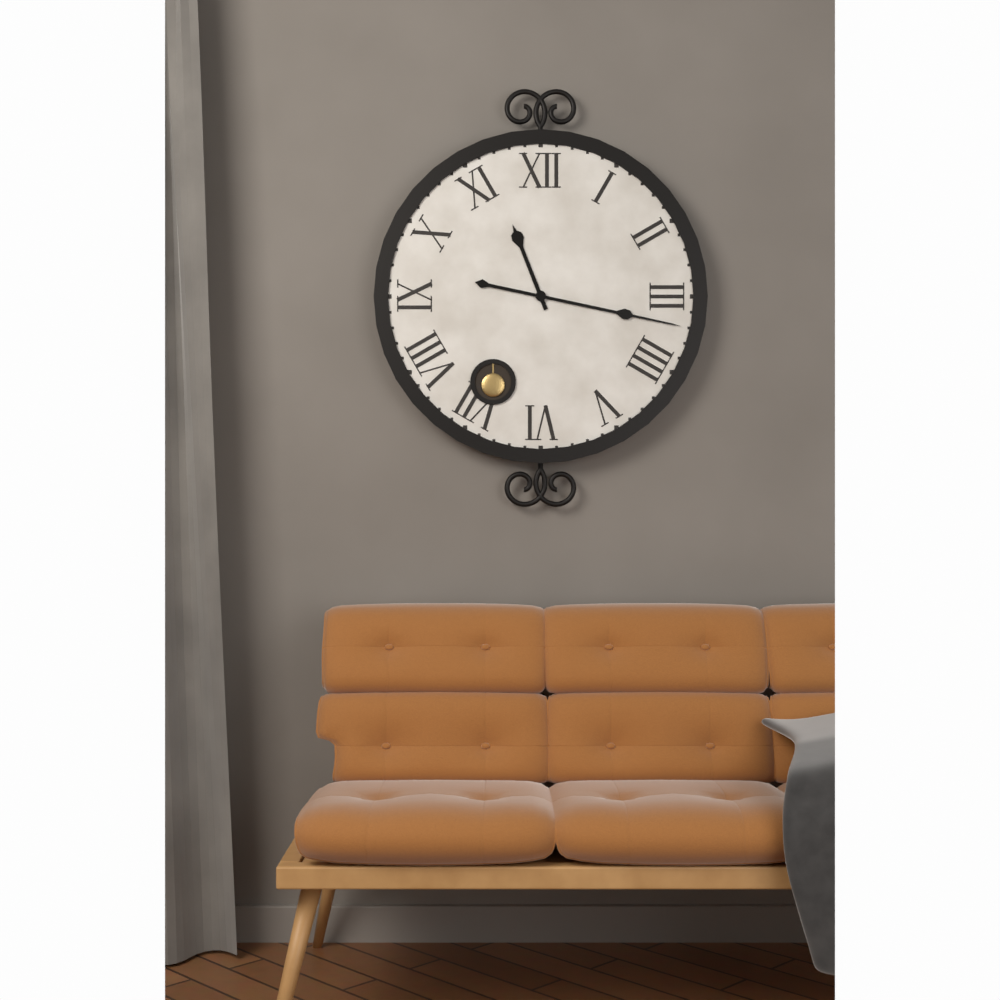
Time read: 11.17
